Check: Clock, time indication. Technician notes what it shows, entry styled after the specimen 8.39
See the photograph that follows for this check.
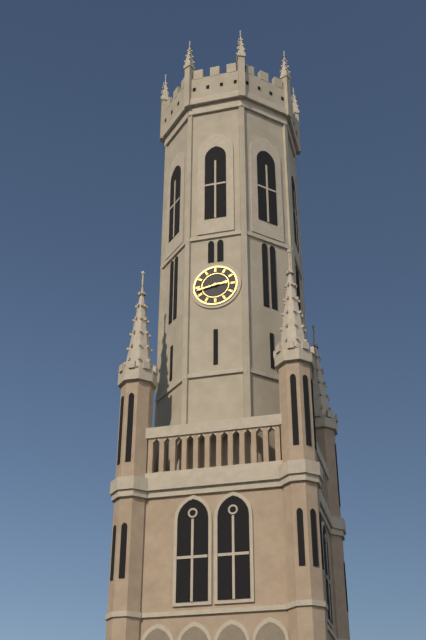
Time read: 2.43
